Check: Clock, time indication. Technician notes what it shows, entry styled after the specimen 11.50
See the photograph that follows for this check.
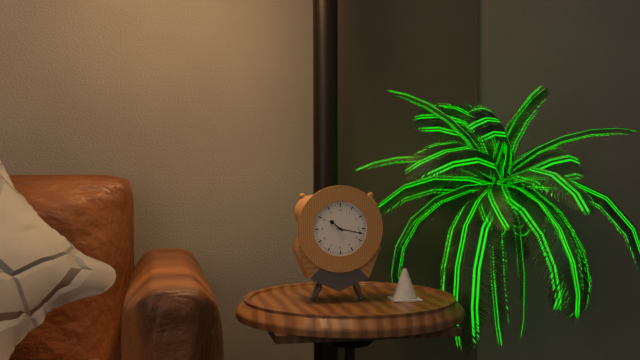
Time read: 10.17
